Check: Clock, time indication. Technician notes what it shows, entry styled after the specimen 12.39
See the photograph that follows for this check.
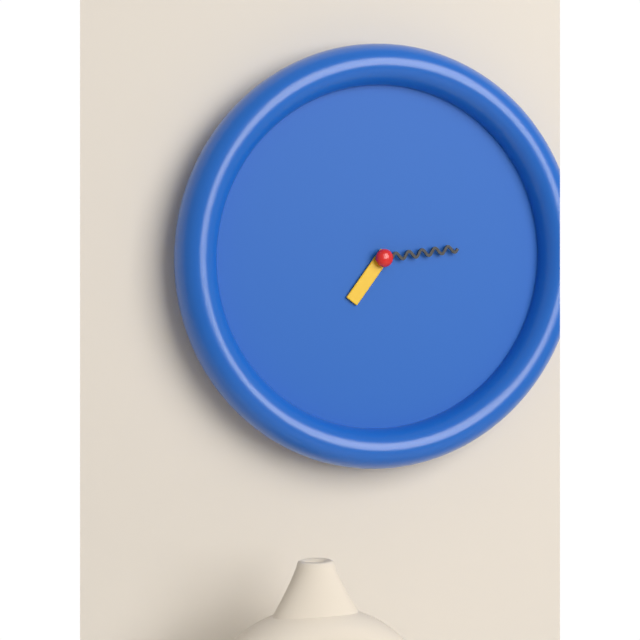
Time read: 7.14
